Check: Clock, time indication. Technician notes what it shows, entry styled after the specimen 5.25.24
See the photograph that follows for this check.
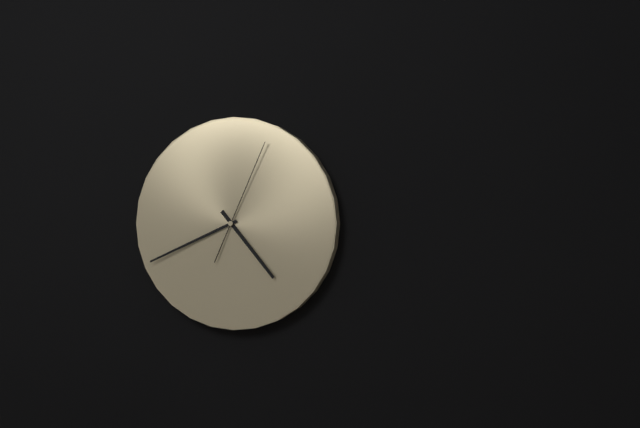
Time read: 4.41.04
